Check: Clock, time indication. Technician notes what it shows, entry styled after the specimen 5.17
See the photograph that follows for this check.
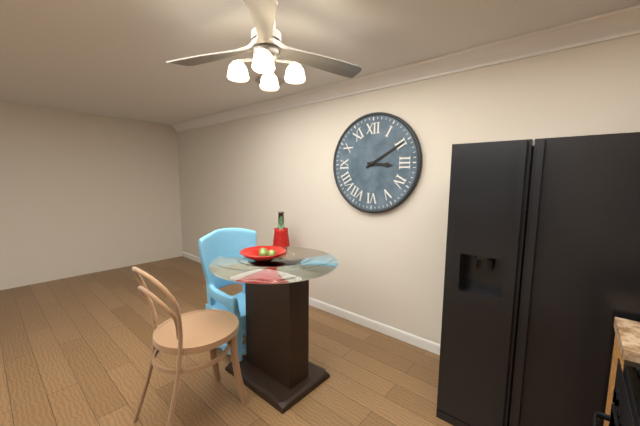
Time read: 3.10
